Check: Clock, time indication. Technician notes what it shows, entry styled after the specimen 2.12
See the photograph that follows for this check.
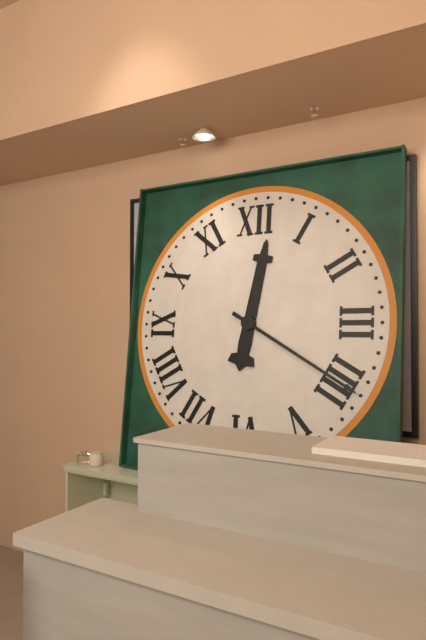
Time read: 12.20
